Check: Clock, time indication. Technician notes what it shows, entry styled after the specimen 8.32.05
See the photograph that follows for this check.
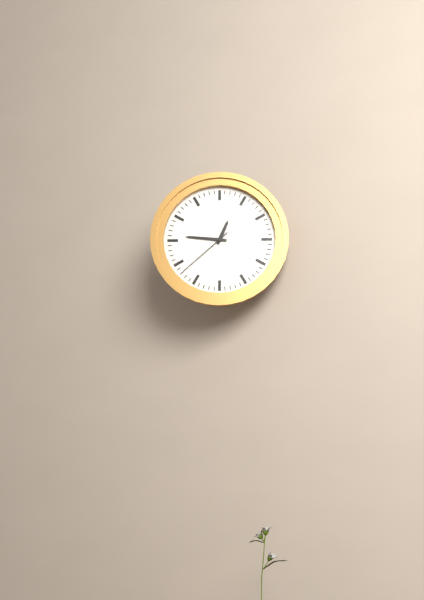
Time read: 12.46.38
